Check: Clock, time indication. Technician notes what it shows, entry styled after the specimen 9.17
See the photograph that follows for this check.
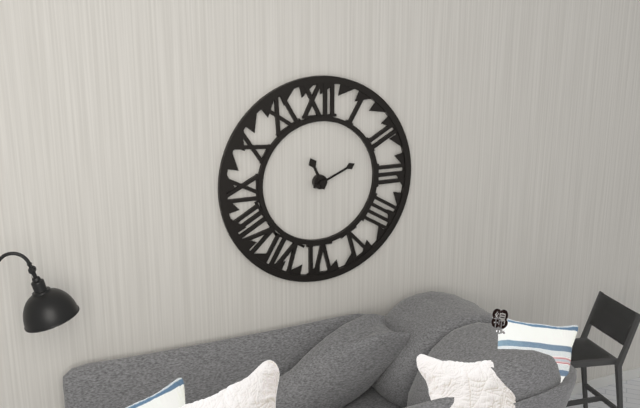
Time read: 11.11
